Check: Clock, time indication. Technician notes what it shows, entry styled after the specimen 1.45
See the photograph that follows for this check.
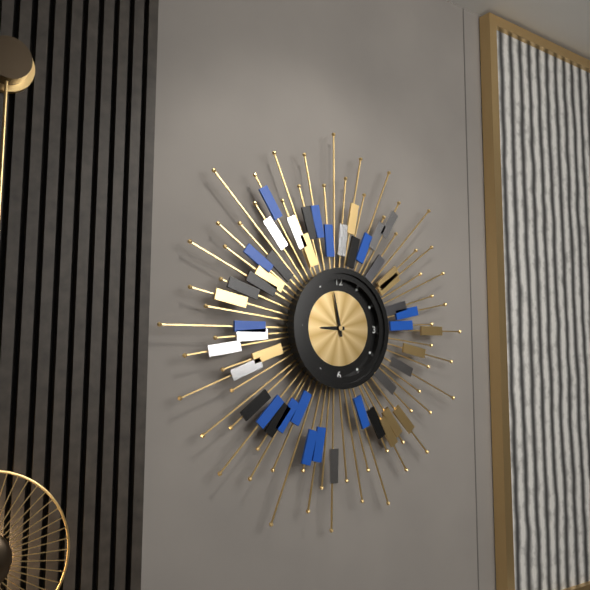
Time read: 8.58
